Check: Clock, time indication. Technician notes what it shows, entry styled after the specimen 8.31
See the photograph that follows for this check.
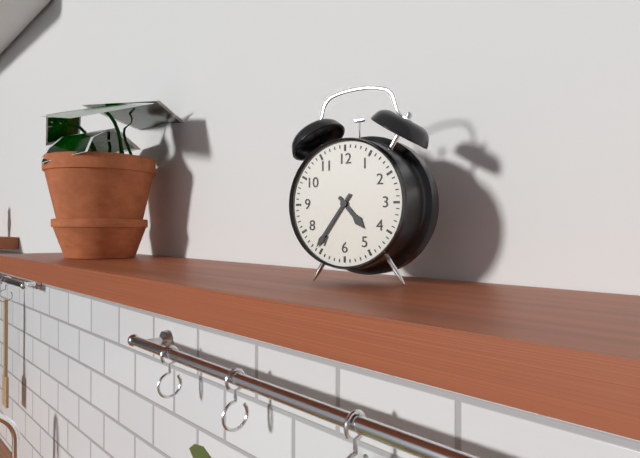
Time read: 4.36
